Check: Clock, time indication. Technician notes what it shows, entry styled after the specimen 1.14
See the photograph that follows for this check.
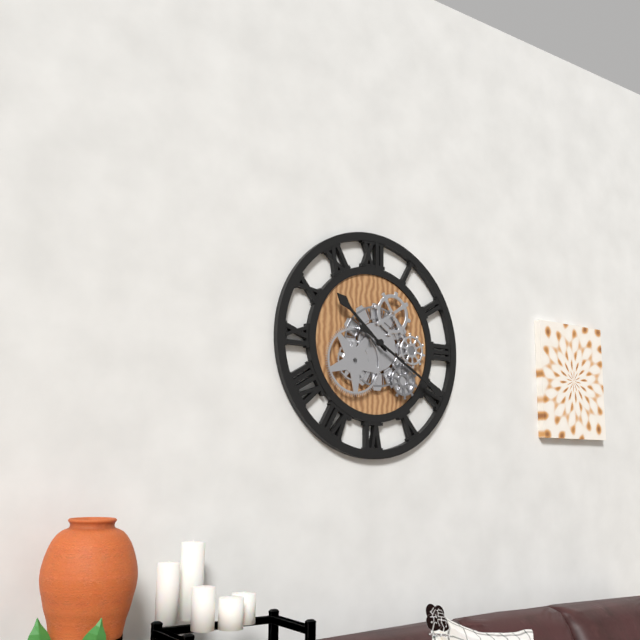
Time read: 10.20
